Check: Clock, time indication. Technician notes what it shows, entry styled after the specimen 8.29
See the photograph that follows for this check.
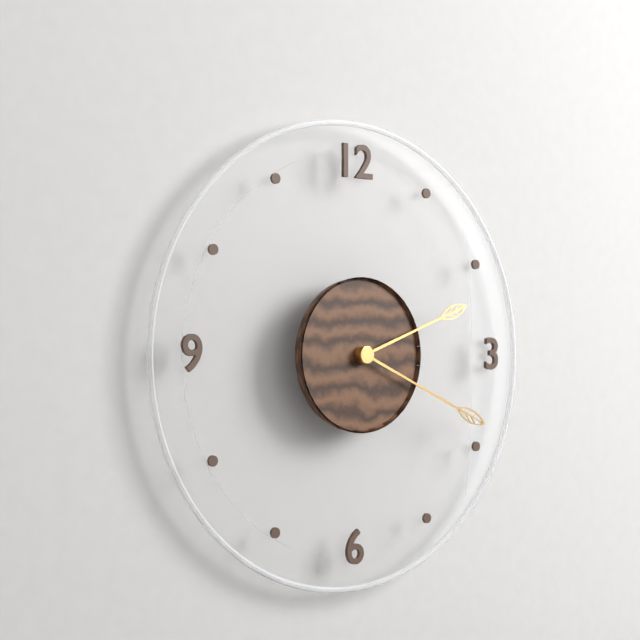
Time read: 2.19
